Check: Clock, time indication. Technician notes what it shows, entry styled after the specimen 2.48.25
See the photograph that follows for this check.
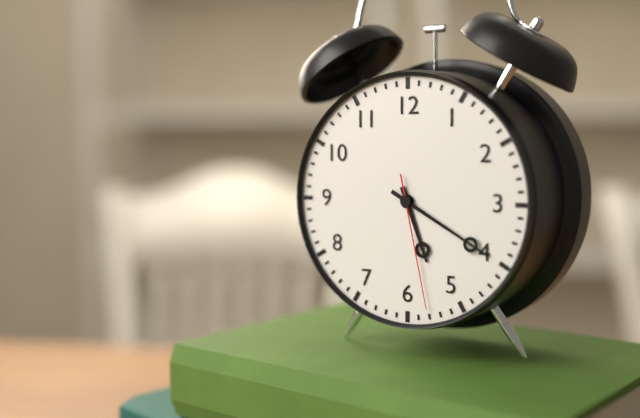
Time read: 5.20.28
